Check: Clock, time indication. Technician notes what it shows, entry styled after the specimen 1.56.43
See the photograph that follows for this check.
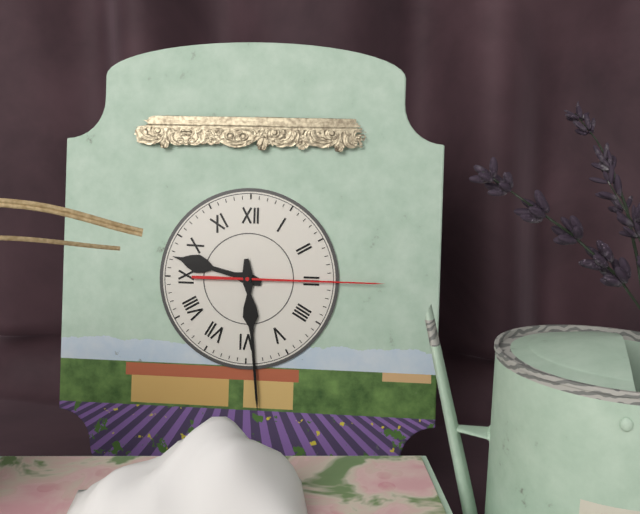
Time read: 9.29.15
